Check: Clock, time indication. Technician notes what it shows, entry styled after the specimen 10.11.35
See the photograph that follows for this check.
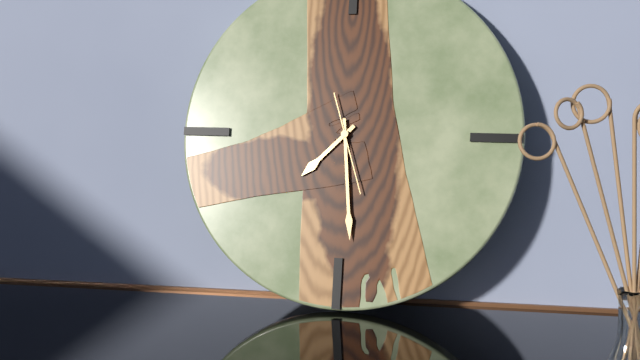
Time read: 7.29.27
